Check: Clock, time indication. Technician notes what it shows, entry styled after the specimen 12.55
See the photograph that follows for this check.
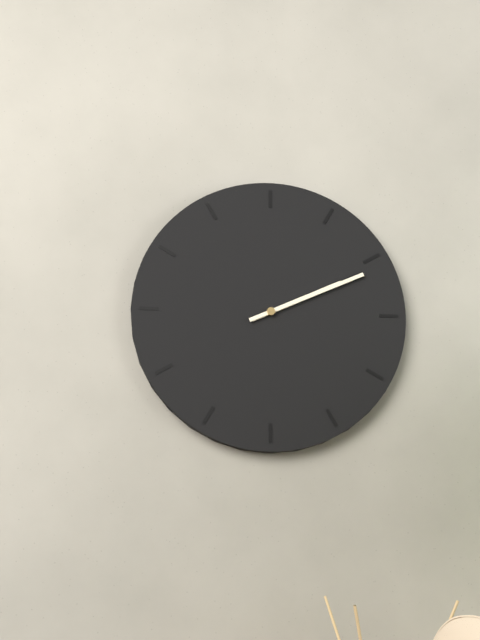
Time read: 2.11
